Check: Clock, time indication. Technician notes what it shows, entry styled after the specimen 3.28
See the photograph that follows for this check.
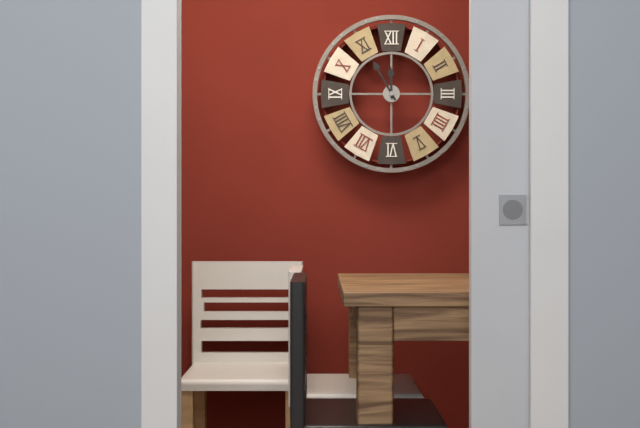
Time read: 11.55
